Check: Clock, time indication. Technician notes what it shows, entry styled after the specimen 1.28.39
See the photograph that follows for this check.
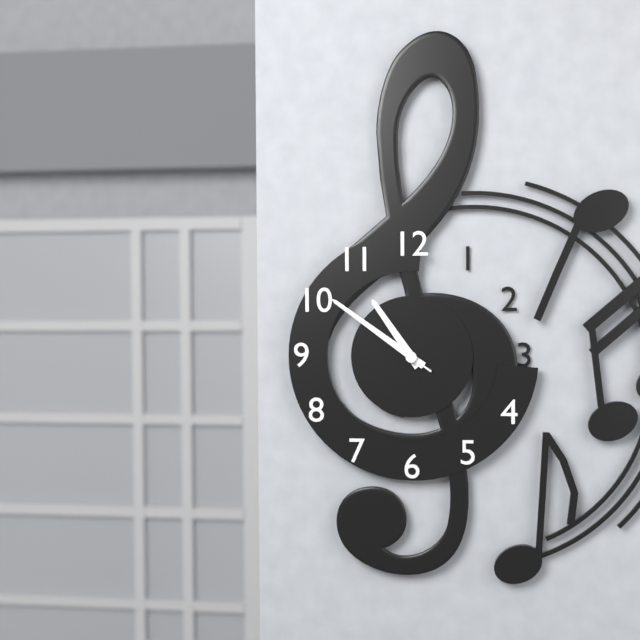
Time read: 10.51.51
